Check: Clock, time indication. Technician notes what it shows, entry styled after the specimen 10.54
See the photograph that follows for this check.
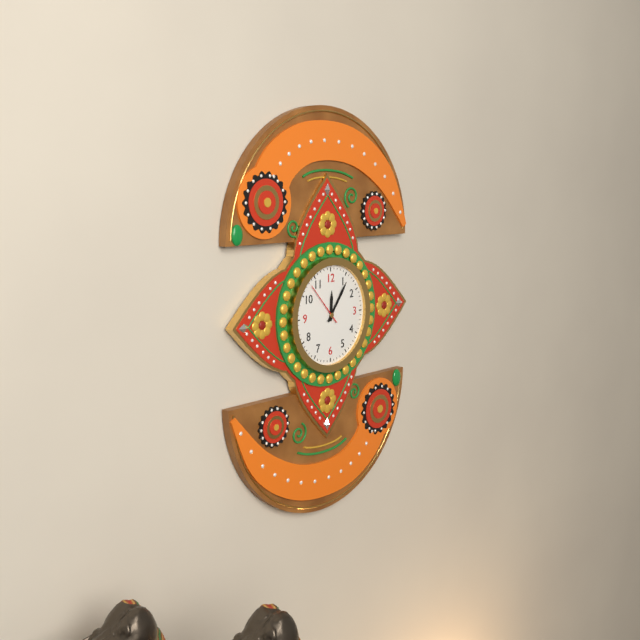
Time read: 12.06
